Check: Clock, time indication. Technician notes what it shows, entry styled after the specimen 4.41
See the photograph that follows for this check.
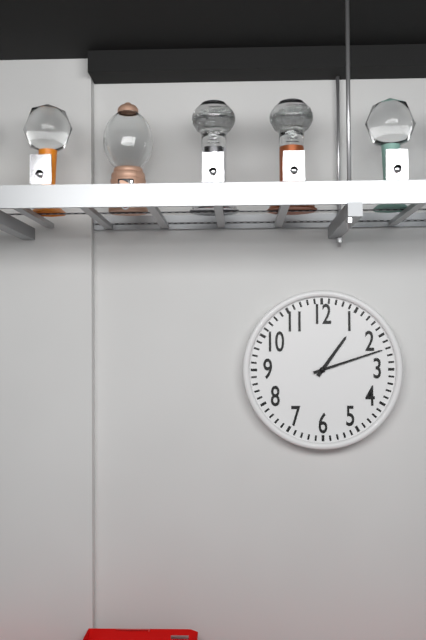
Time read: 1.12
